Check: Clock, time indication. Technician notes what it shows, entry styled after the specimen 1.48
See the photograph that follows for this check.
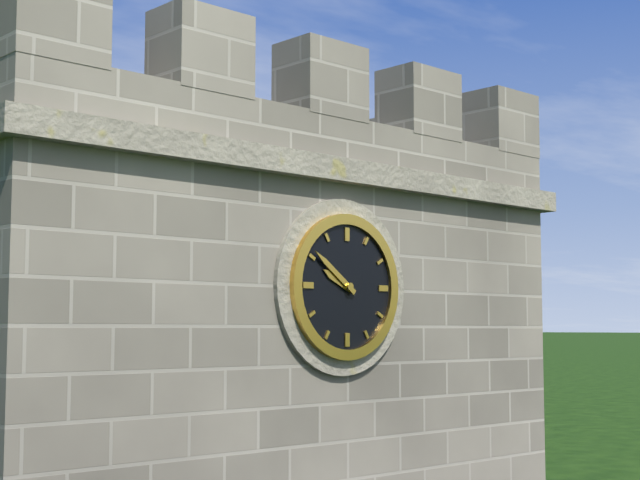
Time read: 9.51
